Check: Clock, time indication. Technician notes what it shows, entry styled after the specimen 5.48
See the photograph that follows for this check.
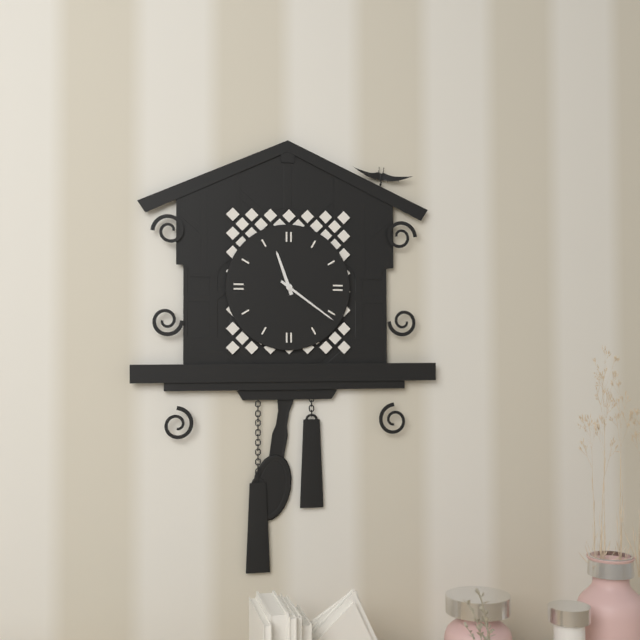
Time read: 11.21
